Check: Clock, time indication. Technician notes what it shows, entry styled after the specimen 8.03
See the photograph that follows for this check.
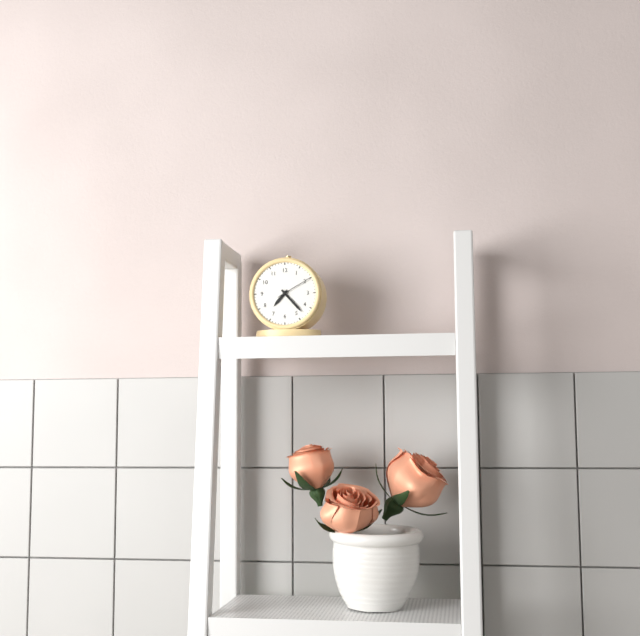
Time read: 7.23
